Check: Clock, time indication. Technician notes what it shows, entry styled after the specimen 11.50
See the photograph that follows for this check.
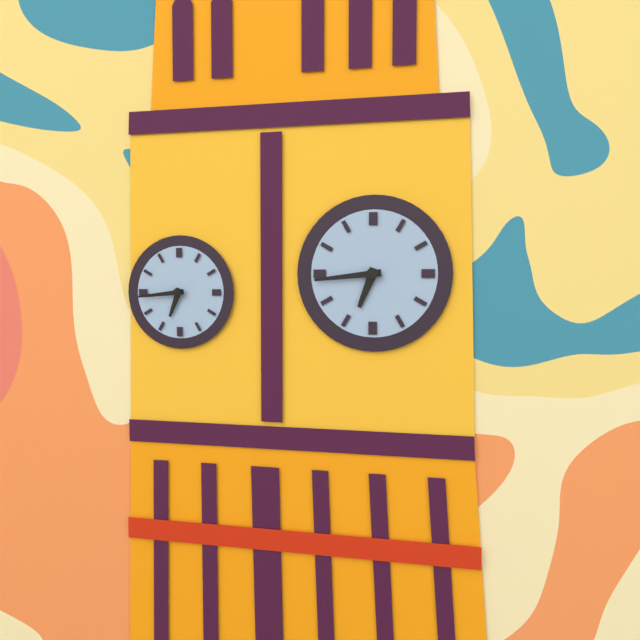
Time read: 6.44
